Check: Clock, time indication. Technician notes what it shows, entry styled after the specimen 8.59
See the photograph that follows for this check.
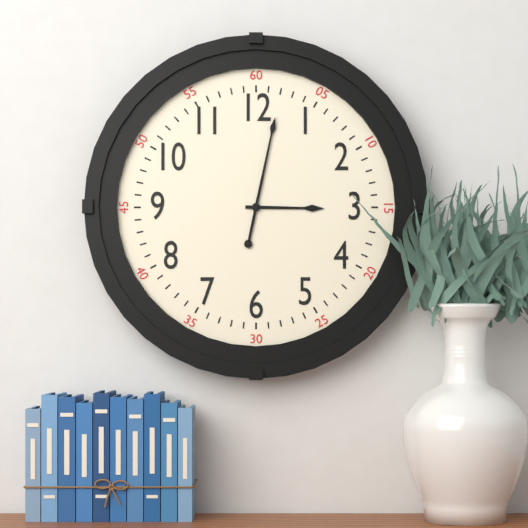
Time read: 3.02
